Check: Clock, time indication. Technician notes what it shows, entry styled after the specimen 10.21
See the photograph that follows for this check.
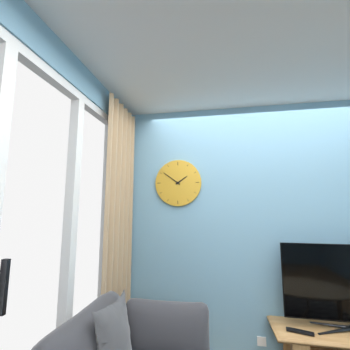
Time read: 1.51
